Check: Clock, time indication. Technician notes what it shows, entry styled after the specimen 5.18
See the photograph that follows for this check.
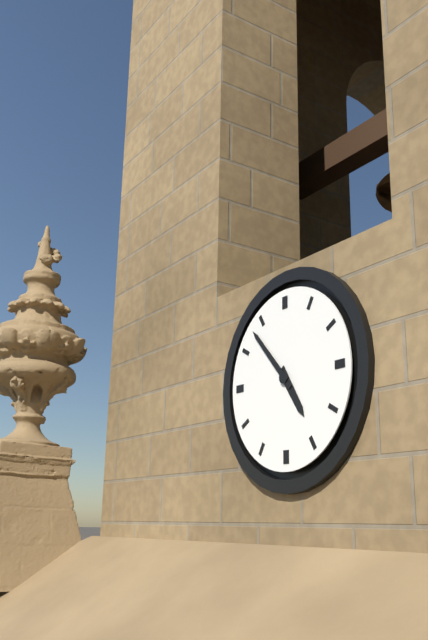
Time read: 4.53
